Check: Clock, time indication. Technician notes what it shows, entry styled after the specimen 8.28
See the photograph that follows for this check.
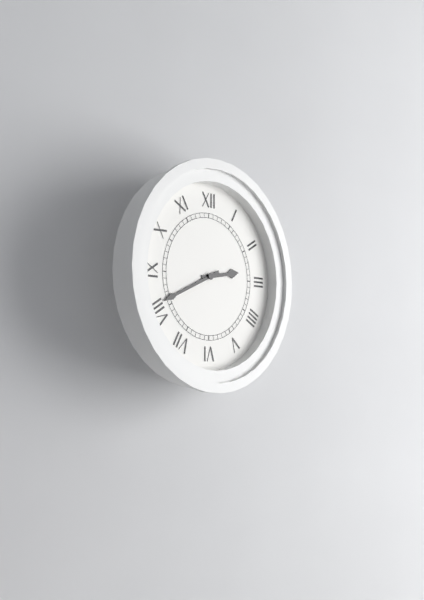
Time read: 2.41
